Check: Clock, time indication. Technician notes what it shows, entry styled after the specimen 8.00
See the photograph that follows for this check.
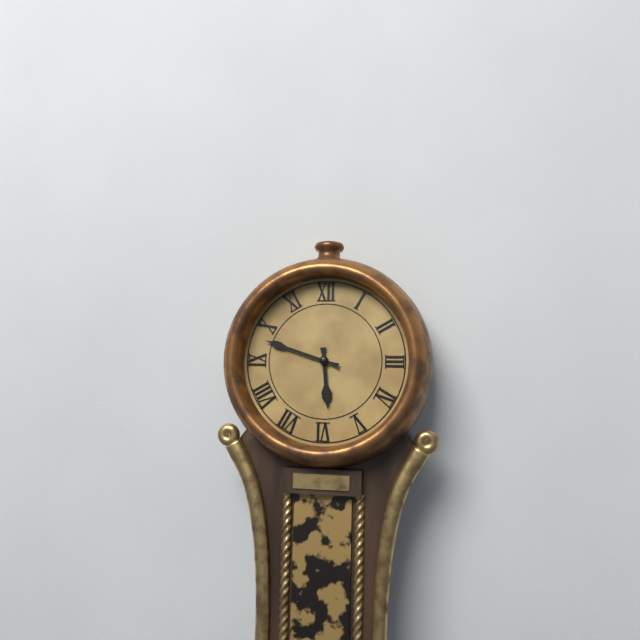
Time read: 5.48
